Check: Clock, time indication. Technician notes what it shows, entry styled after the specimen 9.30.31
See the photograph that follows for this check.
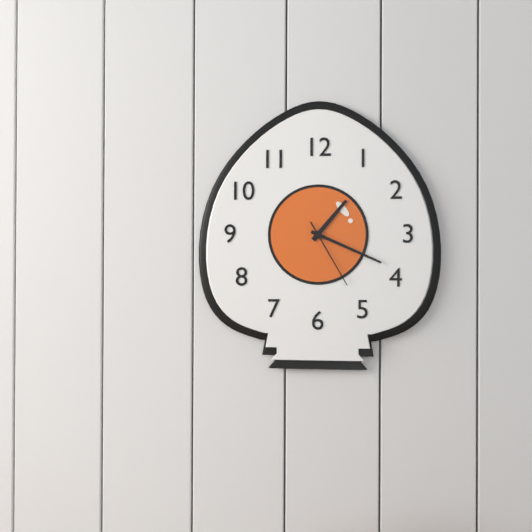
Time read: 1.19.25
